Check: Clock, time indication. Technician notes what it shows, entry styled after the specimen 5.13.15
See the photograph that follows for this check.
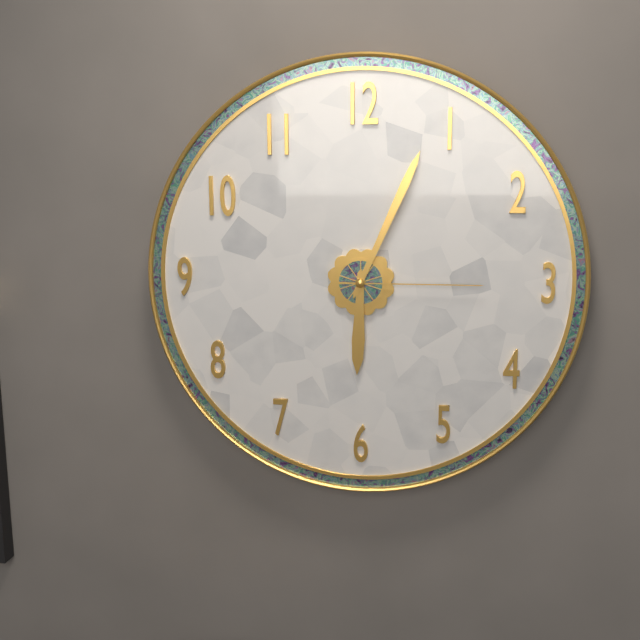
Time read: 6.04.15
